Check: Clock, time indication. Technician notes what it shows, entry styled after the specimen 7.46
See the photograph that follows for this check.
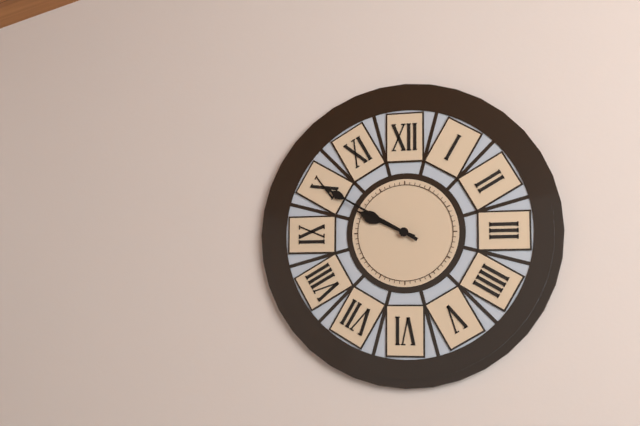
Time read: 9.50
